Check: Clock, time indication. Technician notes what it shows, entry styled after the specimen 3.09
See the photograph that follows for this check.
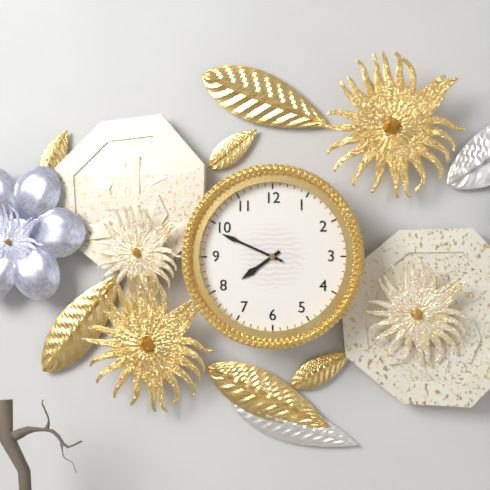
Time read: 7.49
